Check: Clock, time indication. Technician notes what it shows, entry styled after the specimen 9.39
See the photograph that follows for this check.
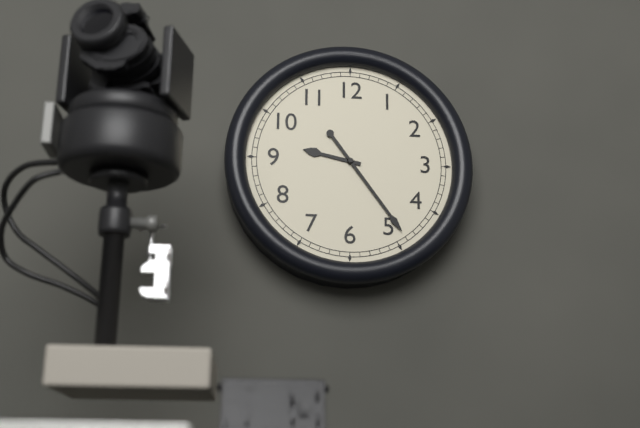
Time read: 9.24
